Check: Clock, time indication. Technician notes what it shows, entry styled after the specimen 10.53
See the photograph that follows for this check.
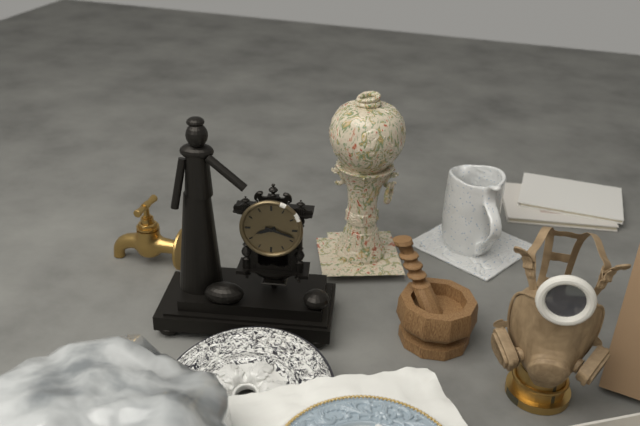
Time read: 8.18
